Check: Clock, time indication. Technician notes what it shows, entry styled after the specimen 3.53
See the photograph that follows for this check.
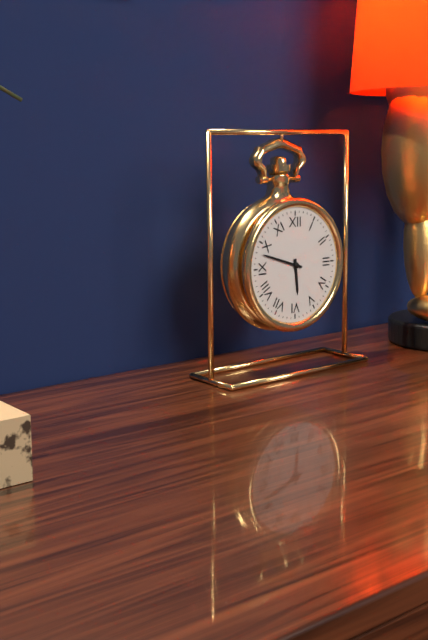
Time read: 5.48
